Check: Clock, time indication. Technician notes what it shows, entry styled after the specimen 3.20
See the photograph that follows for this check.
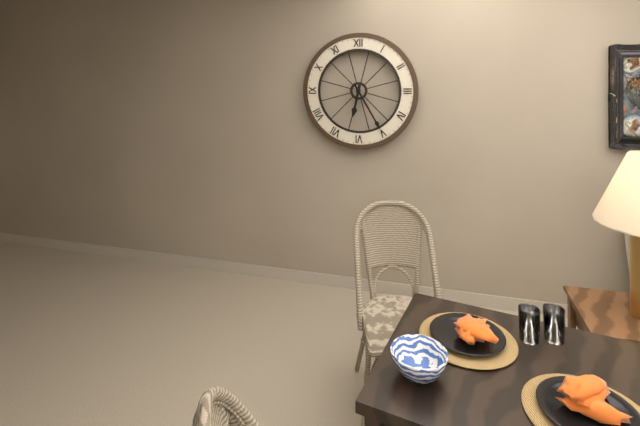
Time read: 6.25
